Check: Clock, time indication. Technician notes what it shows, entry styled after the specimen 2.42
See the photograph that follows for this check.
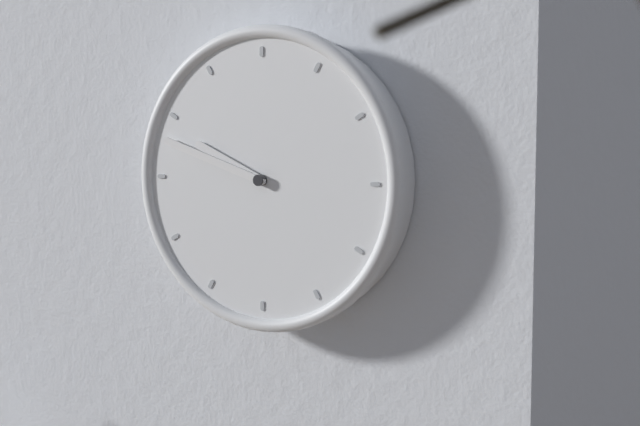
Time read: 9.48
